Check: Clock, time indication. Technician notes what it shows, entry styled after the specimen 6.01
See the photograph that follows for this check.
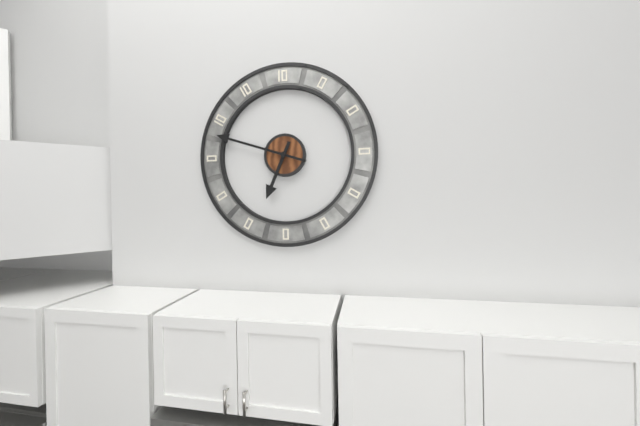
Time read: 6.48
